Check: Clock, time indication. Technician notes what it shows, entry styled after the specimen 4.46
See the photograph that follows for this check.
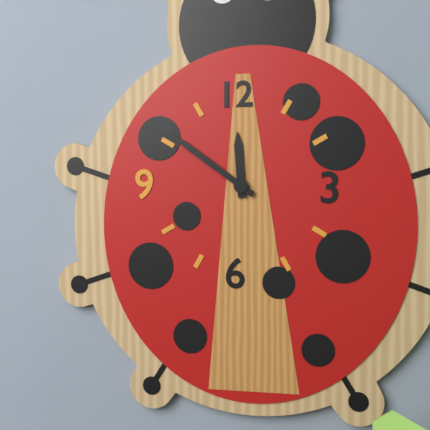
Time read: 11.51
